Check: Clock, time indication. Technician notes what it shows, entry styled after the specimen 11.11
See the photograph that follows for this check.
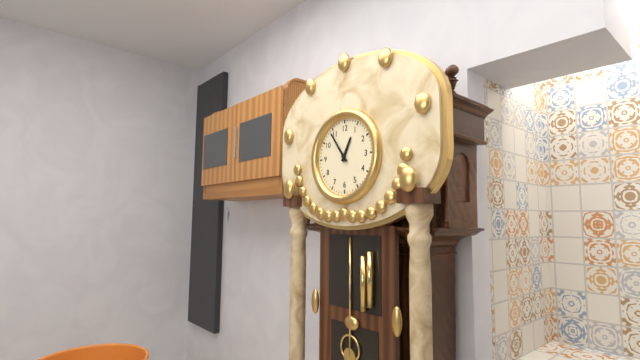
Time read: 12.54
